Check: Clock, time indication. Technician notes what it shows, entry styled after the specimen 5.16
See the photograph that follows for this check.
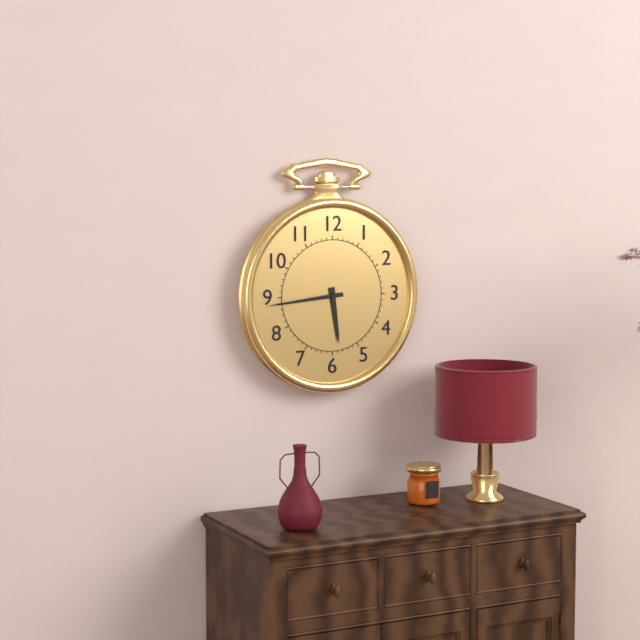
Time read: 5.44
